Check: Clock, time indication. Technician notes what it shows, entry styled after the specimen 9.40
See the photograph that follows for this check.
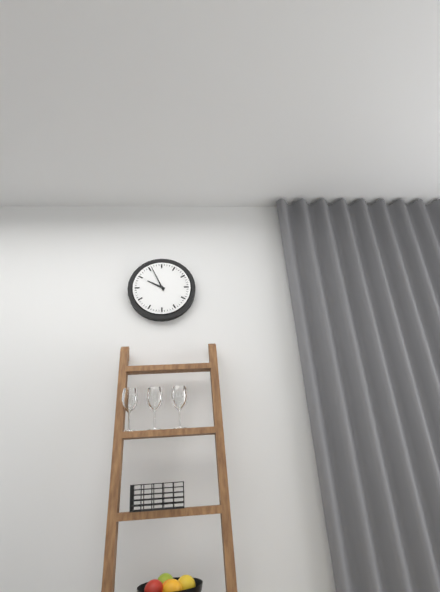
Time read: 9.56
